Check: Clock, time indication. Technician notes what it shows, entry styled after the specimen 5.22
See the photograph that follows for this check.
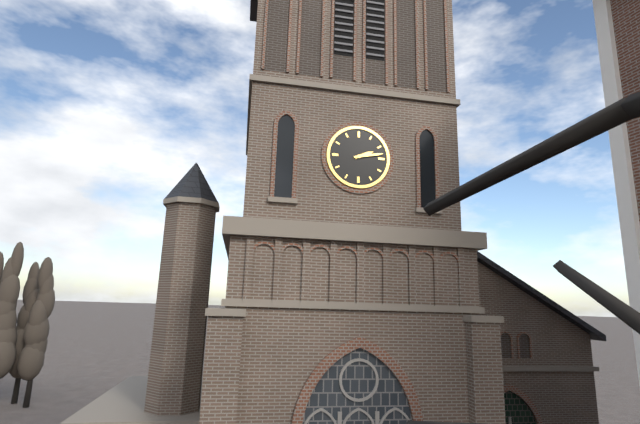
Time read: 2.13
